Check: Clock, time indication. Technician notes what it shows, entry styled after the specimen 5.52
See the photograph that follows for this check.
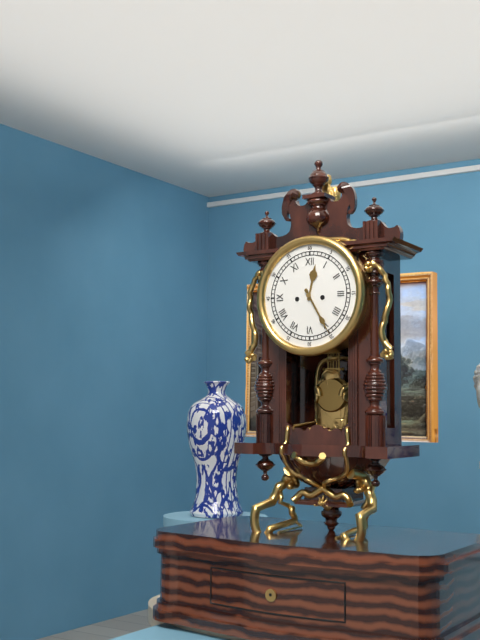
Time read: 12.25
